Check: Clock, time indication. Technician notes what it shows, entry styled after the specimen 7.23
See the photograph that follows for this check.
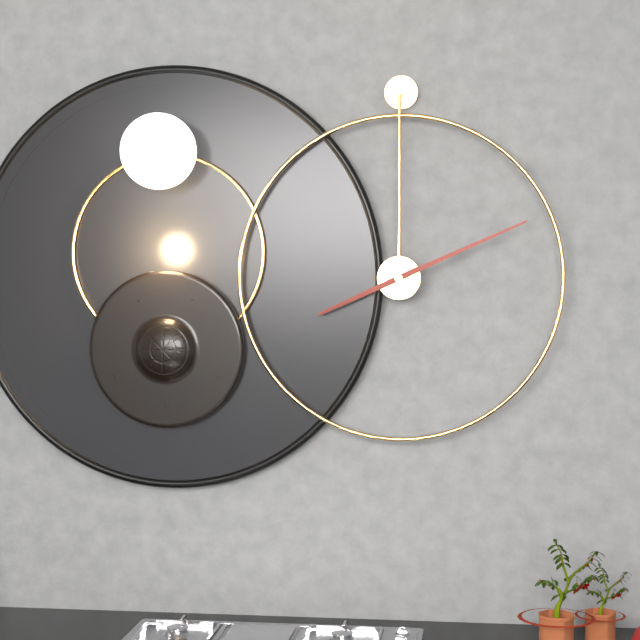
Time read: 8.11
